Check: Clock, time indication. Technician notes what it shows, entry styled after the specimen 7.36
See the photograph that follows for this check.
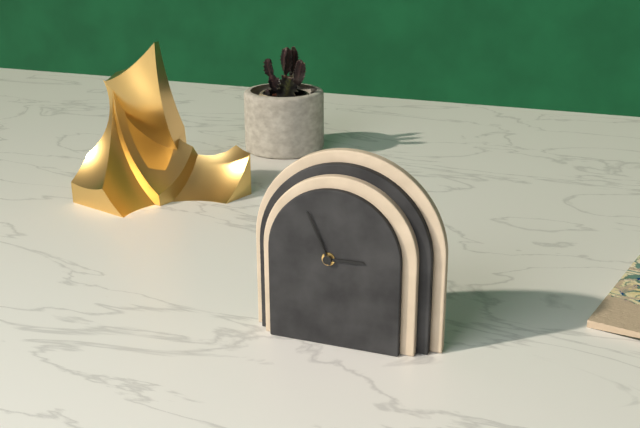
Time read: 2.56
